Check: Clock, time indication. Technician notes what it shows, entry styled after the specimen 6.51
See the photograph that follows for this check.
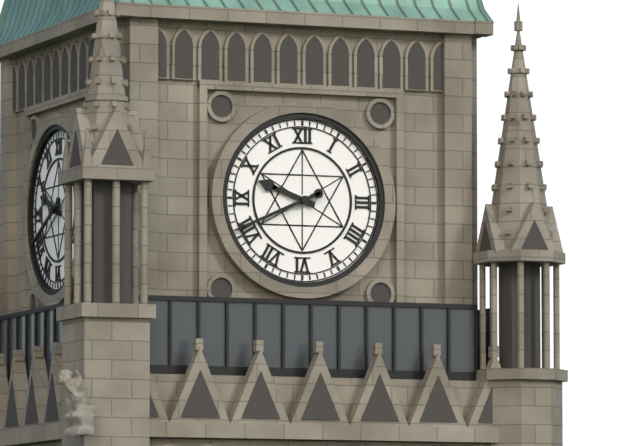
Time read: 9.41
